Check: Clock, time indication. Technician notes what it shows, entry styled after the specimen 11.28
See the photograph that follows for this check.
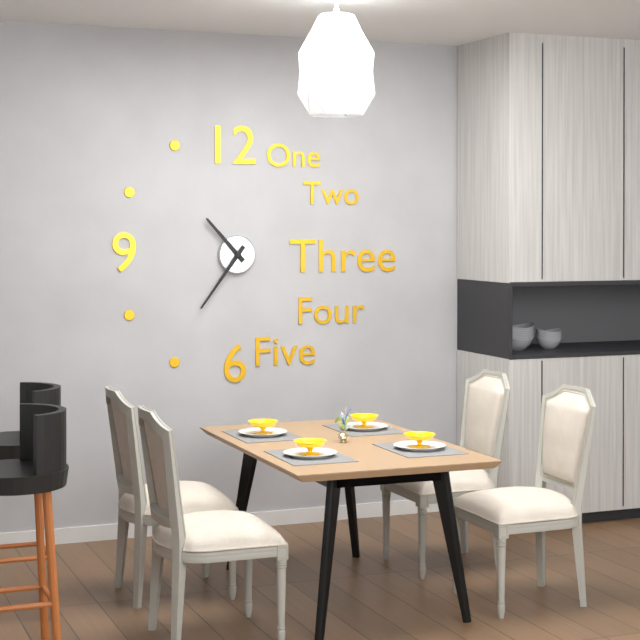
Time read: 10.36
